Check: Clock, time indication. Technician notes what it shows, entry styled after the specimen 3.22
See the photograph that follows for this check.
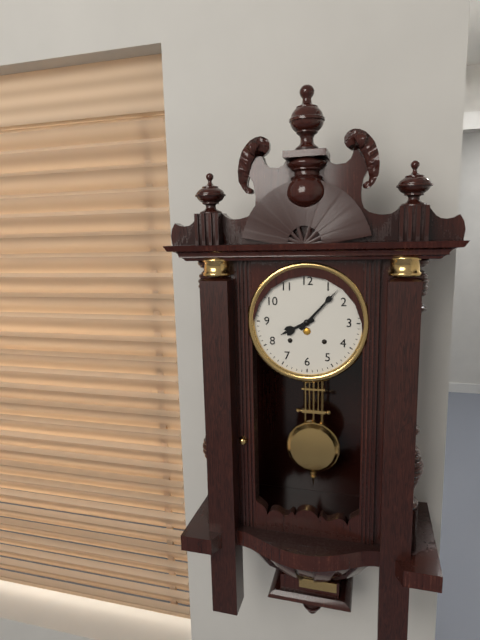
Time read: 8.07
